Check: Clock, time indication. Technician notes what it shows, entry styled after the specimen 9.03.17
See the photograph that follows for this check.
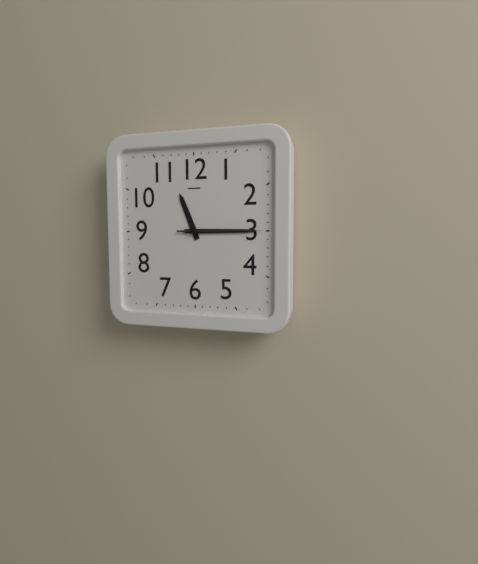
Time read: 11.15.15
